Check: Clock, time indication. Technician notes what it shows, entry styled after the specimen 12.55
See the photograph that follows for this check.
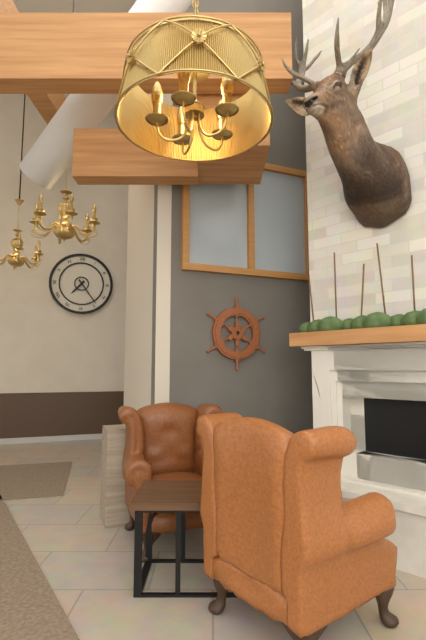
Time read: 7.24
